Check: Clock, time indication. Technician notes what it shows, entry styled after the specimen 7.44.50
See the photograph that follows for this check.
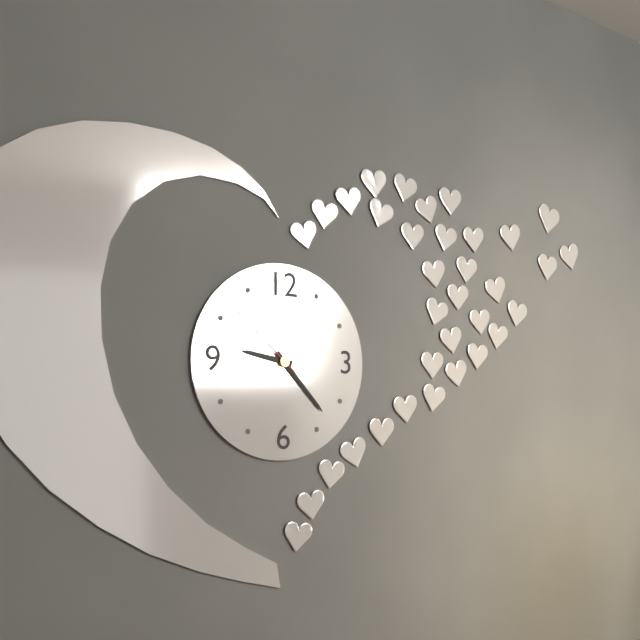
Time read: 9.23.52
